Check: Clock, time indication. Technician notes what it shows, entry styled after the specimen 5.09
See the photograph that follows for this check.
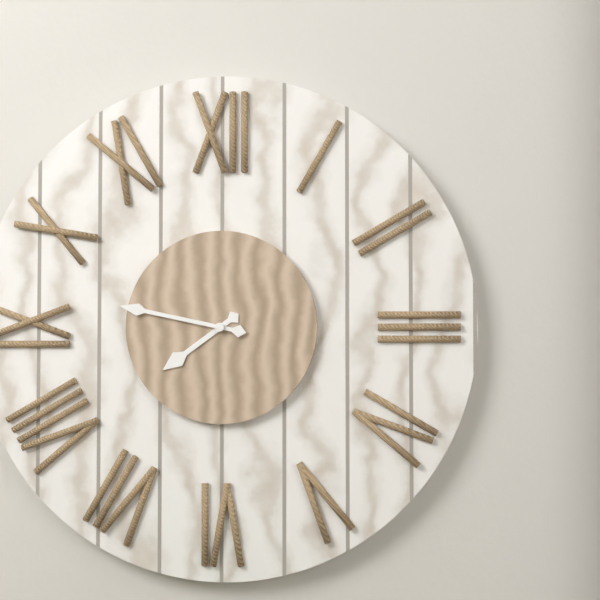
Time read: 7.47
